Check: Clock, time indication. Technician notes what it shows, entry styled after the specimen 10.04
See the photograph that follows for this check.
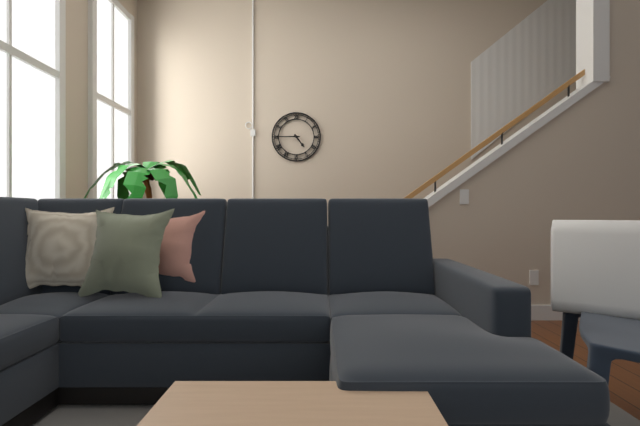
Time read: 4.45
